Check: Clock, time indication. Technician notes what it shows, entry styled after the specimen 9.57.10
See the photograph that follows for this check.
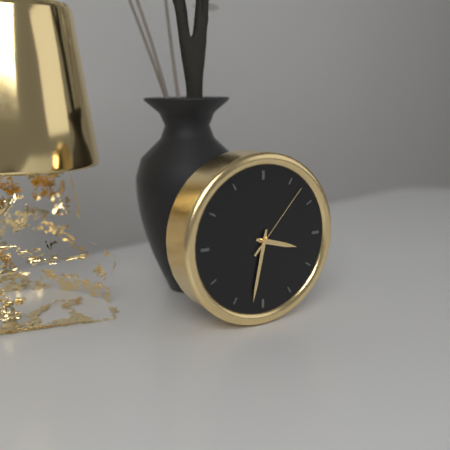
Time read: 3.32.07
